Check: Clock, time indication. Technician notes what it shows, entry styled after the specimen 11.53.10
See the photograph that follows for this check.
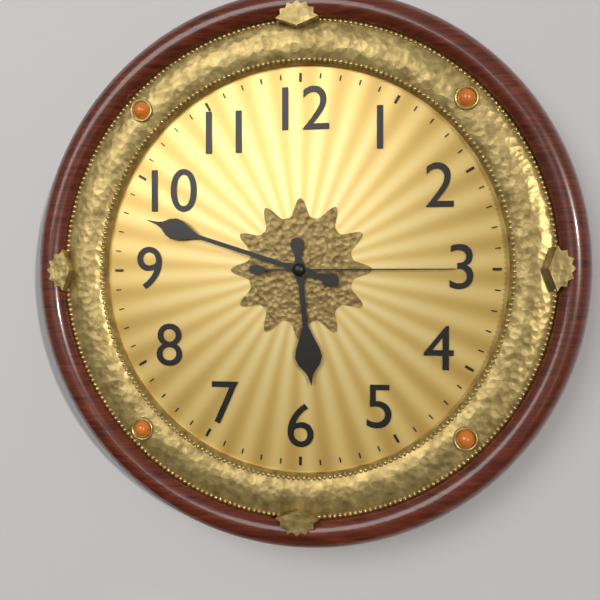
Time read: 5.48.15
